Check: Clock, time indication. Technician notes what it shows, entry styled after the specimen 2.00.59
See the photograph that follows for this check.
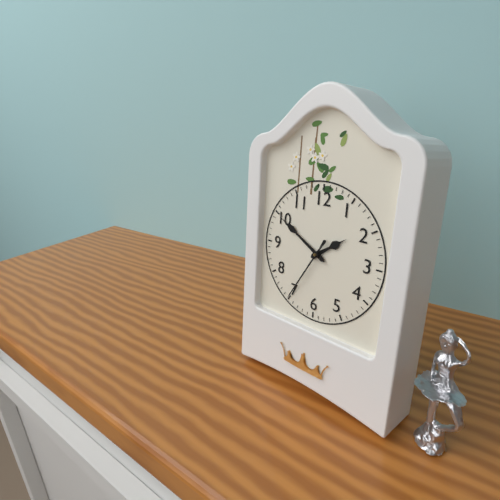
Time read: 1.50.35
